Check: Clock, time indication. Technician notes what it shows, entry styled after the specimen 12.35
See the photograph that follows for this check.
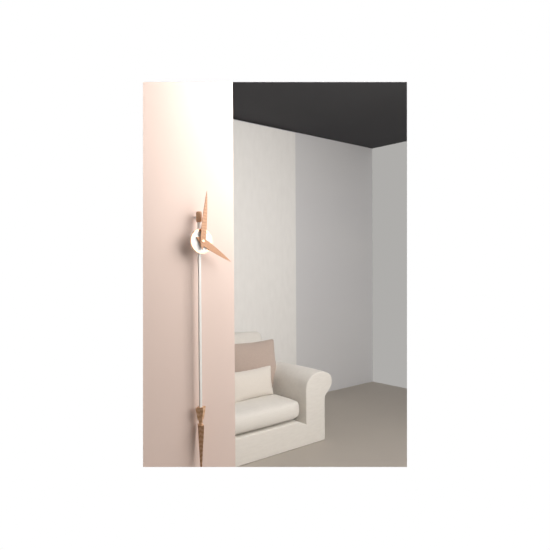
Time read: 4.01
